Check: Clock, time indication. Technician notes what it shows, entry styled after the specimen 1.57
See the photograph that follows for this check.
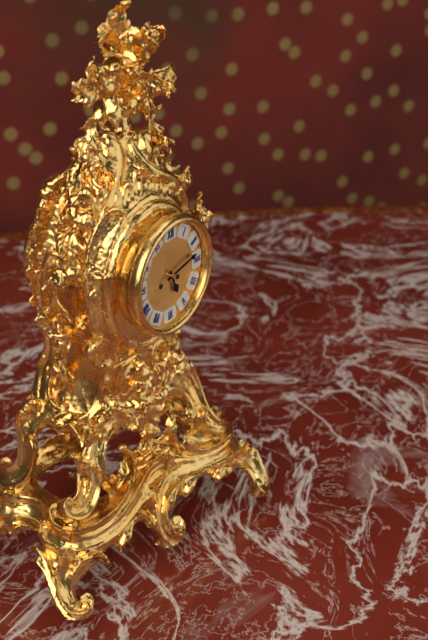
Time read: 5.13
